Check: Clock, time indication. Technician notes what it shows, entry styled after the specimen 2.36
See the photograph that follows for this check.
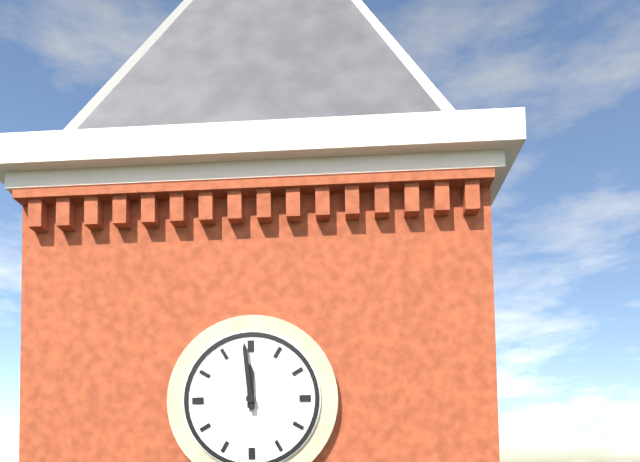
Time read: 11.59
